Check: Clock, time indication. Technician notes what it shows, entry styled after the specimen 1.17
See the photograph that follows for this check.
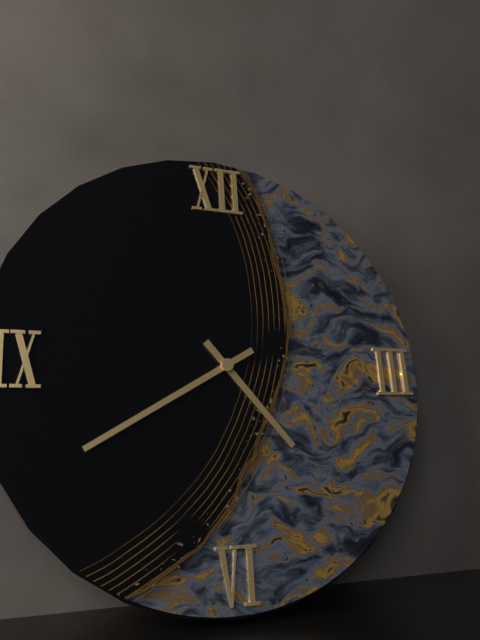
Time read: 4.40
